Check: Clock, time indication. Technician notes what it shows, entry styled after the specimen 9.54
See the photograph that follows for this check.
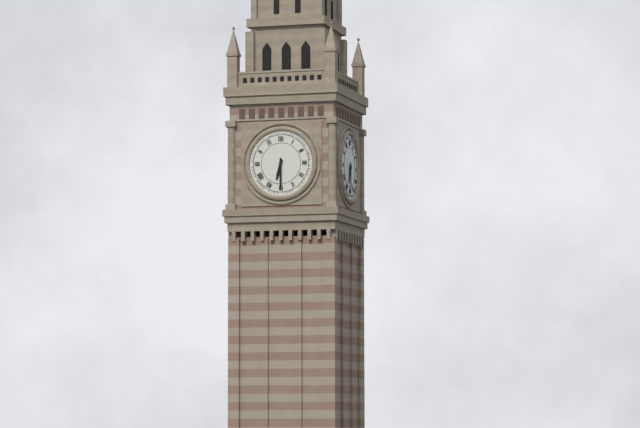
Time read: 6.30
